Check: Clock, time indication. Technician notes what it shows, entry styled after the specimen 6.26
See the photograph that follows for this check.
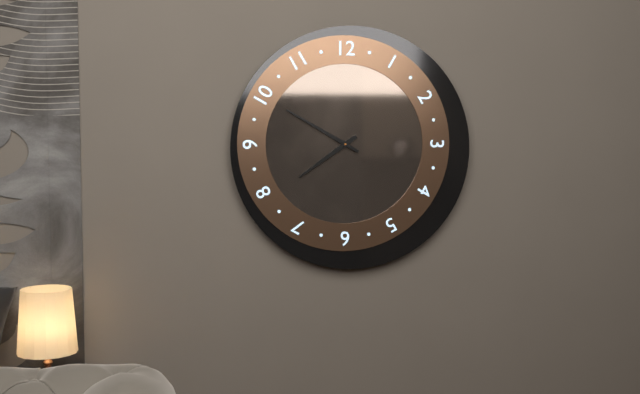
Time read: 7.50
